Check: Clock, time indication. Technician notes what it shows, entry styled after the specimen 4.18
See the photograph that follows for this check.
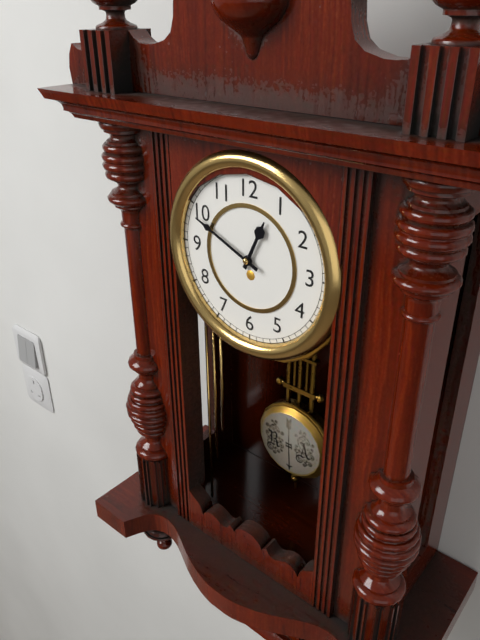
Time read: 12.49
